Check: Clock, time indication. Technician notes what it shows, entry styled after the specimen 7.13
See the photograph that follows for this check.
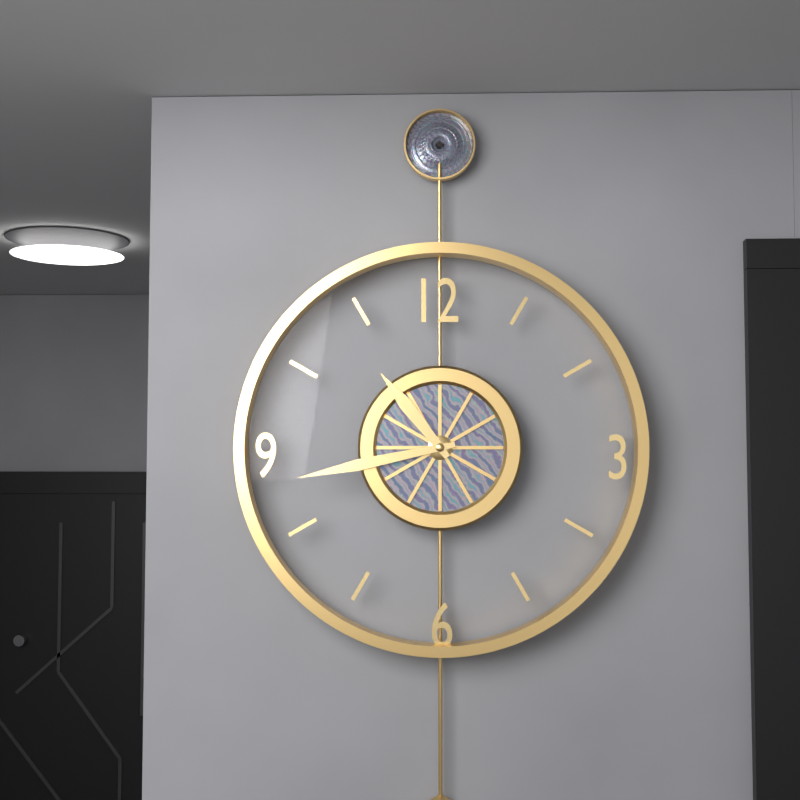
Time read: 10.43
